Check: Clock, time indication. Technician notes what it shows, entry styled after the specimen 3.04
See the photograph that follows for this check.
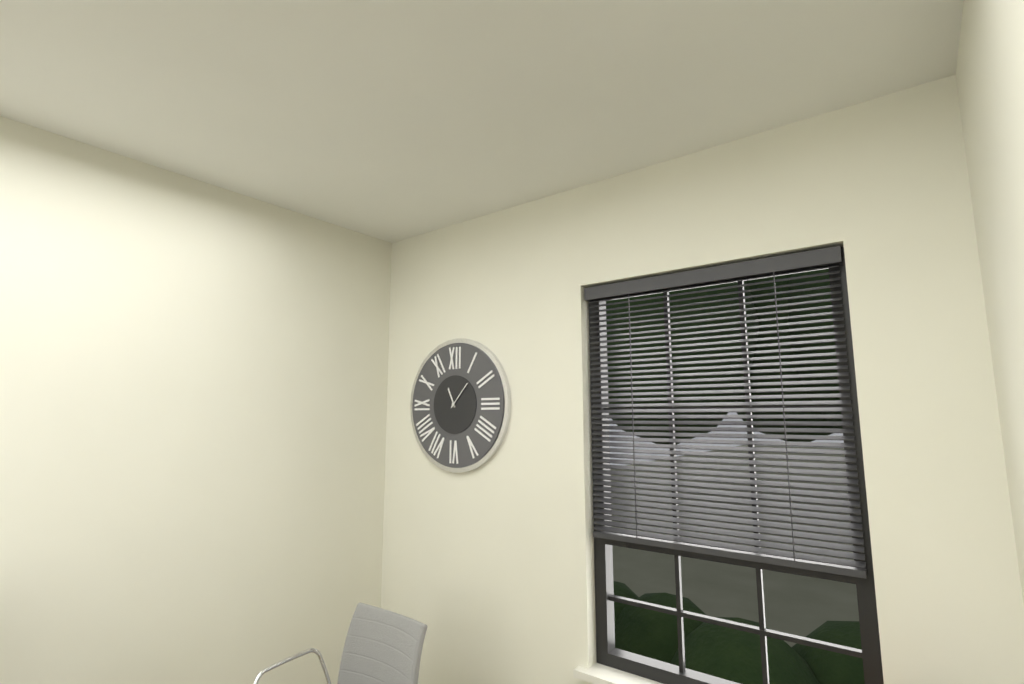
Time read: 11.07
